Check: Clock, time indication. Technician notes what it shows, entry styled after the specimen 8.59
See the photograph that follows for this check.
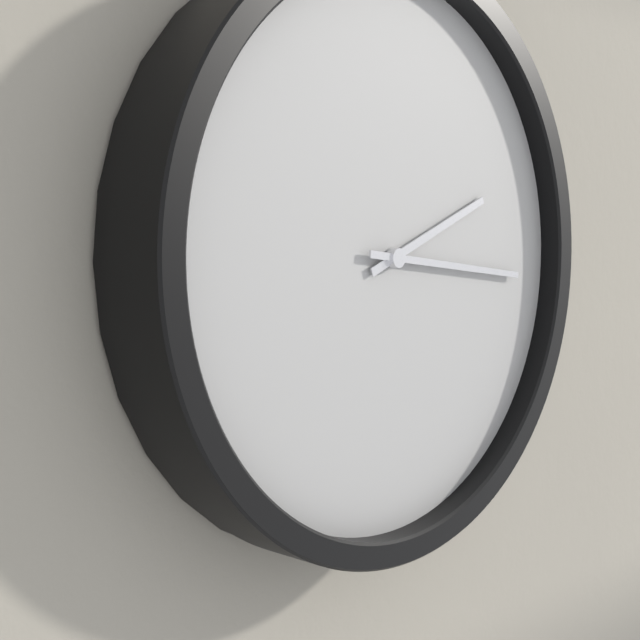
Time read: 2.16
